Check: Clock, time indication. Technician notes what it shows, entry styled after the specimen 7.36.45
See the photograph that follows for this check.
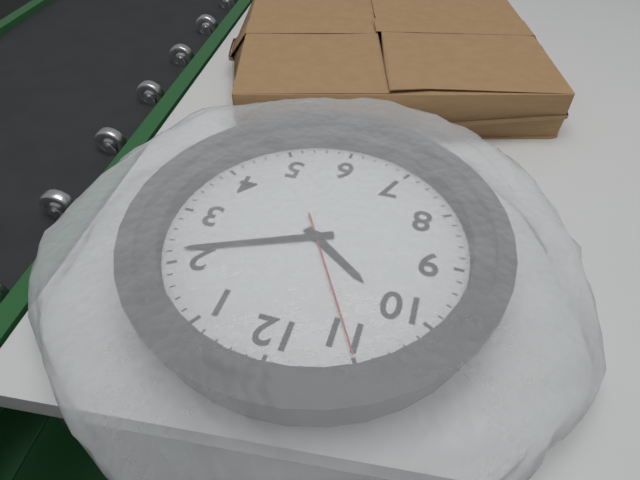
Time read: 10.11.55
